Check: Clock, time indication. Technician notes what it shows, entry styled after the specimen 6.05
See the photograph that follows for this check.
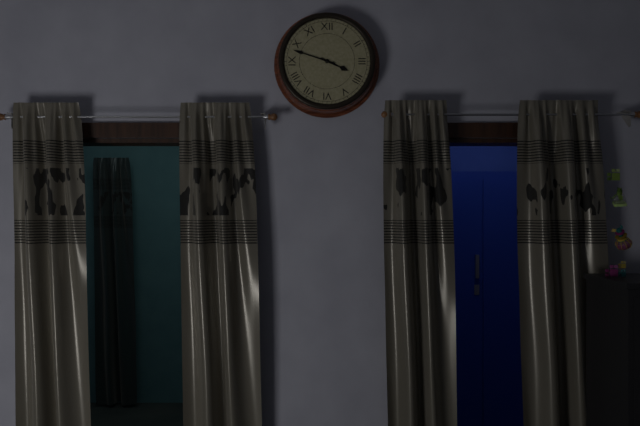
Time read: 3.48
